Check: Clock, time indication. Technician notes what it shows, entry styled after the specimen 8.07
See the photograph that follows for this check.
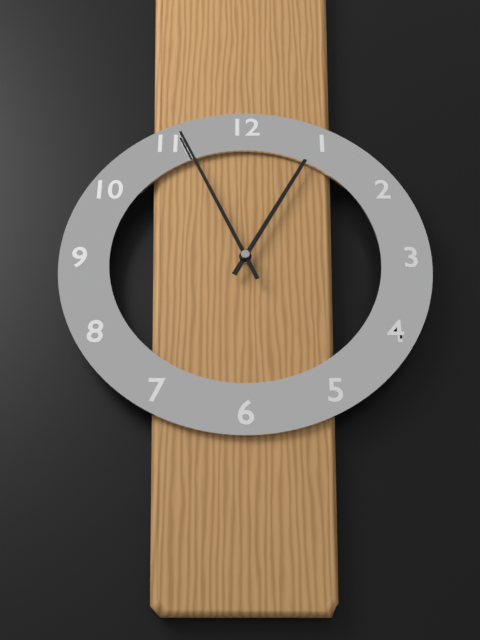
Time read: 12.56
